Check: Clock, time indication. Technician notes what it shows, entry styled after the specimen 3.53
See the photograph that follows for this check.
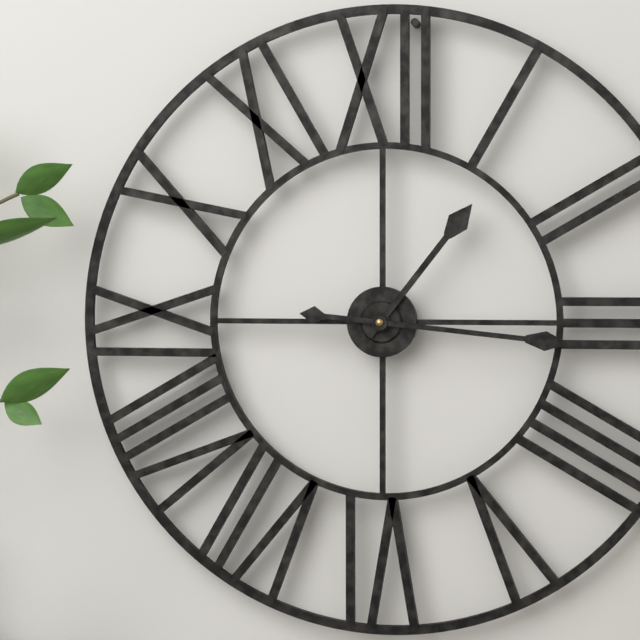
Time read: 1.16
